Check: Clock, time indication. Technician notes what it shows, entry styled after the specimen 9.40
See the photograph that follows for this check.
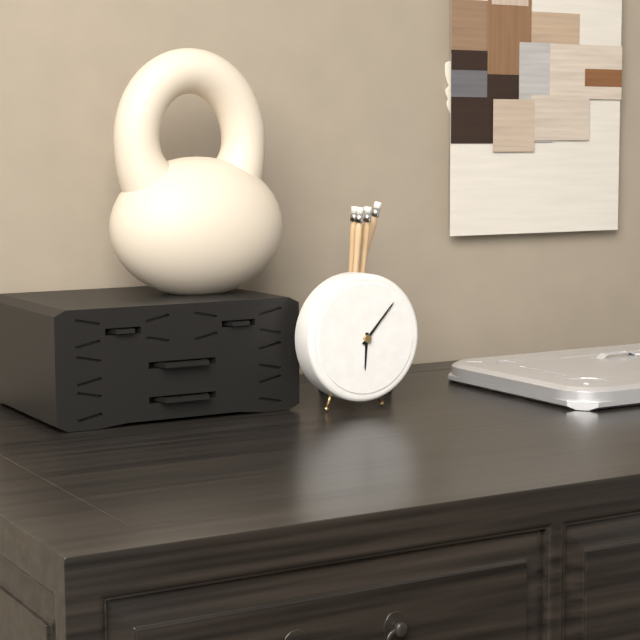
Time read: 6.07
